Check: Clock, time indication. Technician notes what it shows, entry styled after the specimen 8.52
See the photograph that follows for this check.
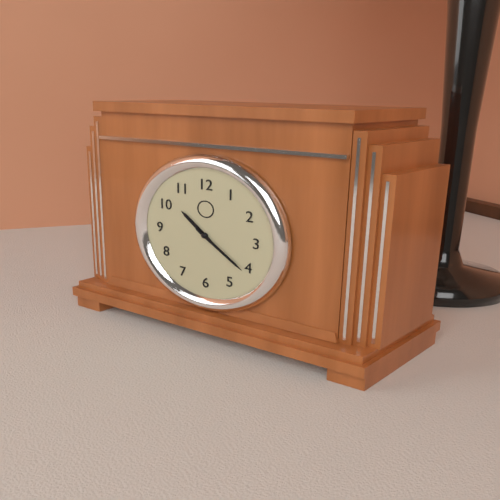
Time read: 10.21
